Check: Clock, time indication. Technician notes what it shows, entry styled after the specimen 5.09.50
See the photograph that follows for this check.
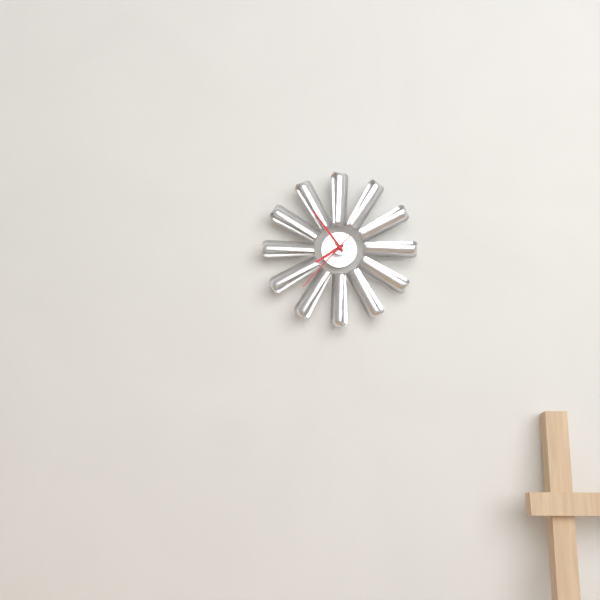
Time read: 7.54.37
